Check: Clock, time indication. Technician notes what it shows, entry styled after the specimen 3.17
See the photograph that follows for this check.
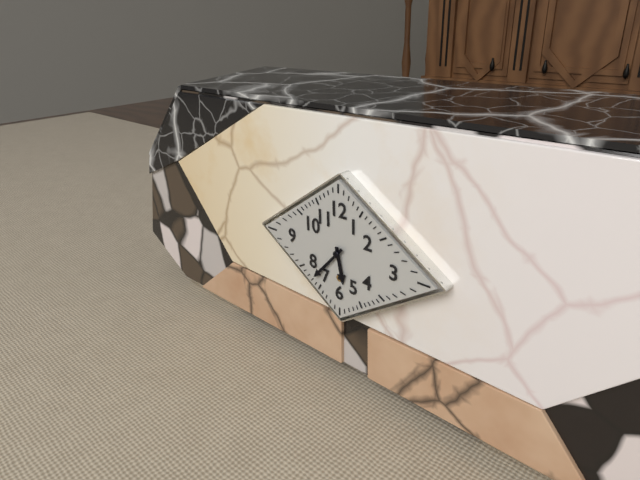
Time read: 5.37
